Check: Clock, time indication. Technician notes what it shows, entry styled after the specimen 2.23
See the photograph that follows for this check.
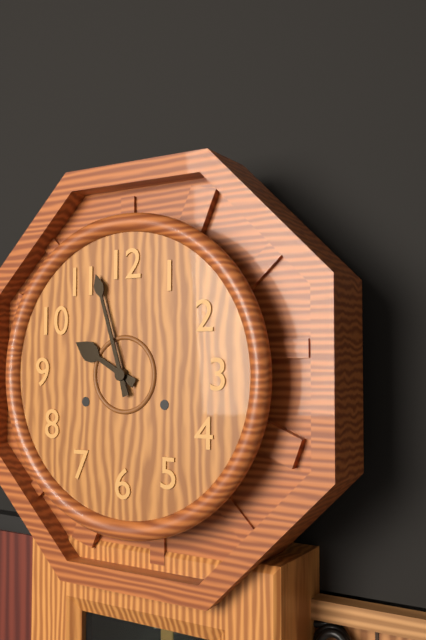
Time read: 9.57
